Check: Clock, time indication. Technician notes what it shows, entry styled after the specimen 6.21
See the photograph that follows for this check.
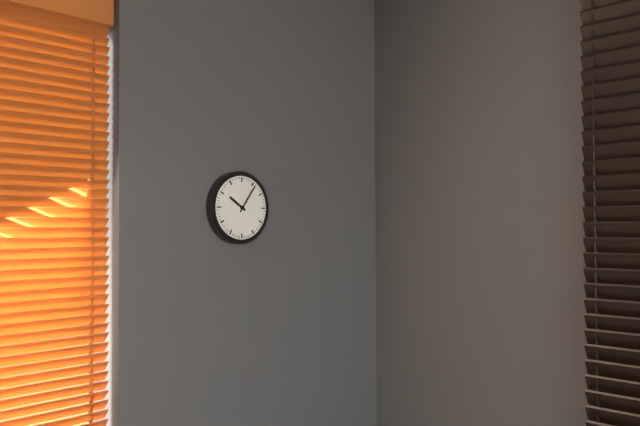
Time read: 10.06
